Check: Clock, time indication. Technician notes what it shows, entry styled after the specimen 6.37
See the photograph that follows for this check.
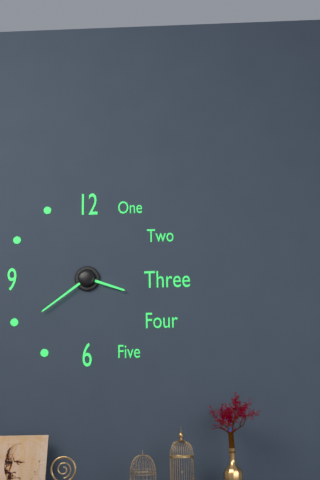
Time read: 3.39
